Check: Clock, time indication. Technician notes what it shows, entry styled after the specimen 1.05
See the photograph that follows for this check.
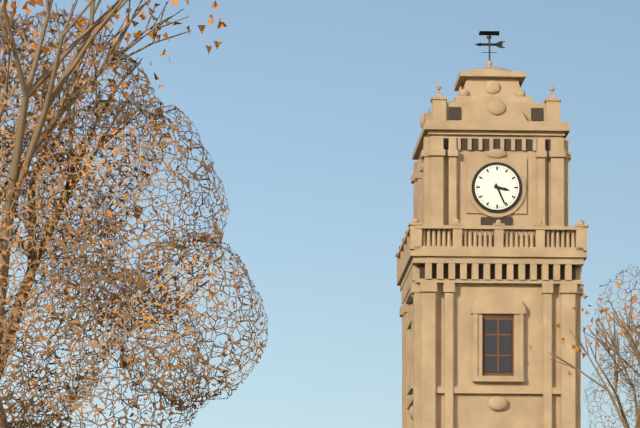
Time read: 3.26
